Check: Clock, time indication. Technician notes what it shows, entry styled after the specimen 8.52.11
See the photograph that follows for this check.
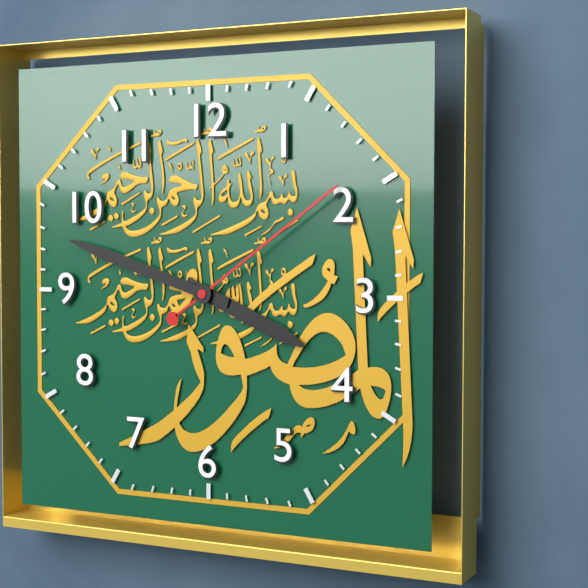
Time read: 3.48.09
